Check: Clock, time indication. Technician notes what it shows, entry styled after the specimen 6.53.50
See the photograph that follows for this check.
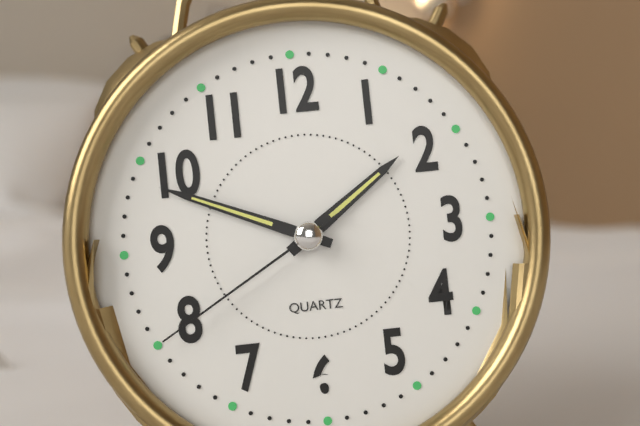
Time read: 1.49.40
